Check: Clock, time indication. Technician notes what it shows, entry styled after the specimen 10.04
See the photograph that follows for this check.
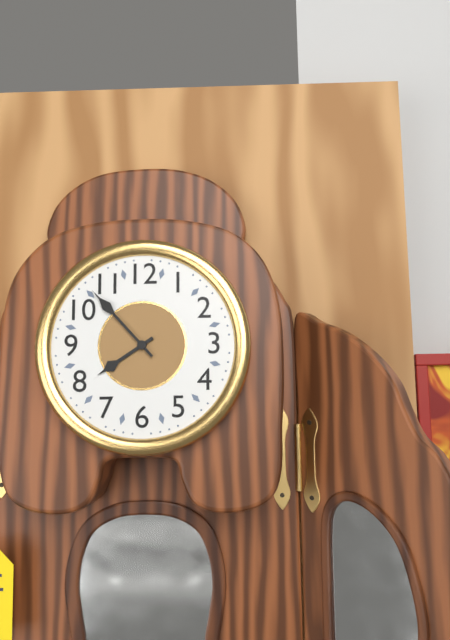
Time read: 7.53
